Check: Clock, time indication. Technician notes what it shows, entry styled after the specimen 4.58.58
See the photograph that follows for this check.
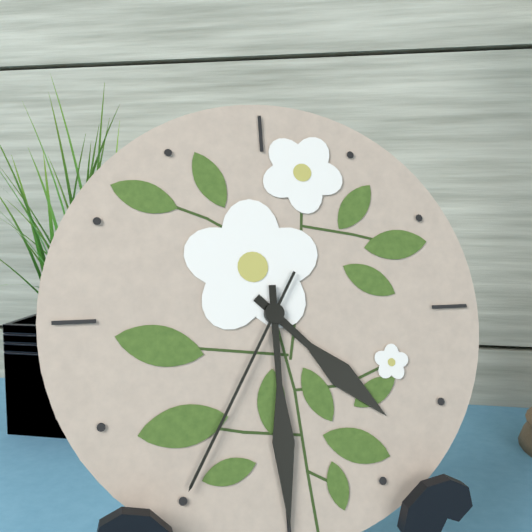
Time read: 4.30.35
